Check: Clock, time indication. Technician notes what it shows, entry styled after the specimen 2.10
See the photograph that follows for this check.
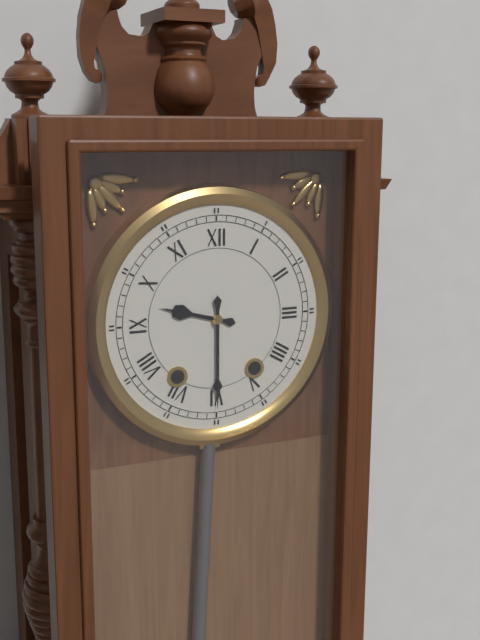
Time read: 9.30
